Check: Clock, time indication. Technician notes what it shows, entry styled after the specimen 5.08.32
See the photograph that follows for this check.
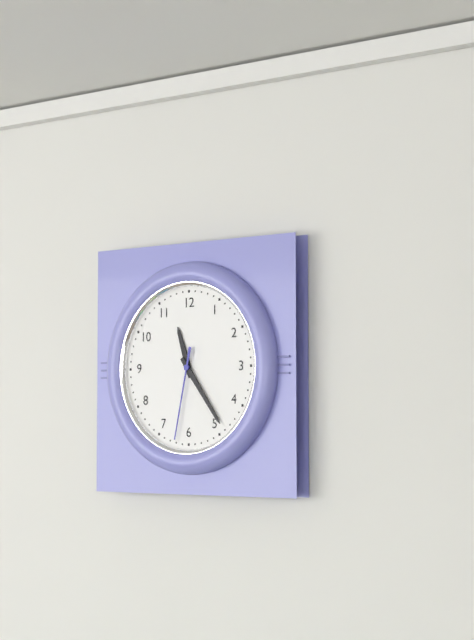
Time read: 11.24.32
